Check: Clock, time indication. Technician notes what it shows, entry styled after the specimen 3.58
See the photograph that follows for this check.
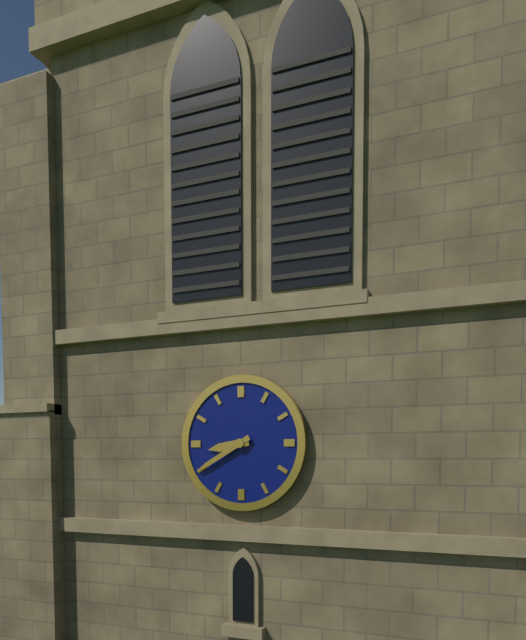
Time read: 8.40
